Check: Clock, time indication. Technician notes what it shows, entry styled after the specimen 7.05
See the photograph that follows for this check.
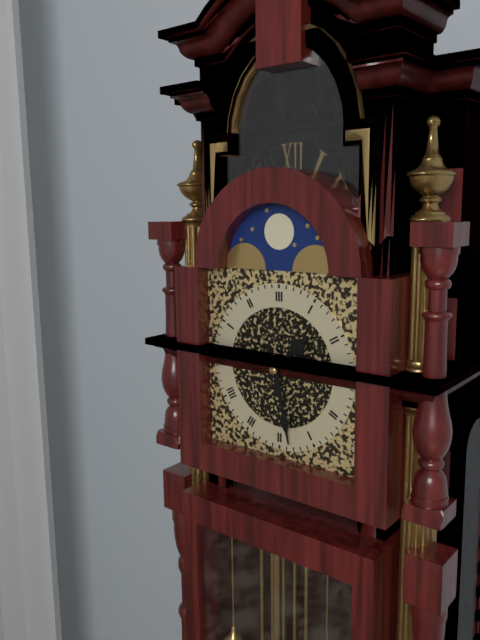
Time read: 1.28
